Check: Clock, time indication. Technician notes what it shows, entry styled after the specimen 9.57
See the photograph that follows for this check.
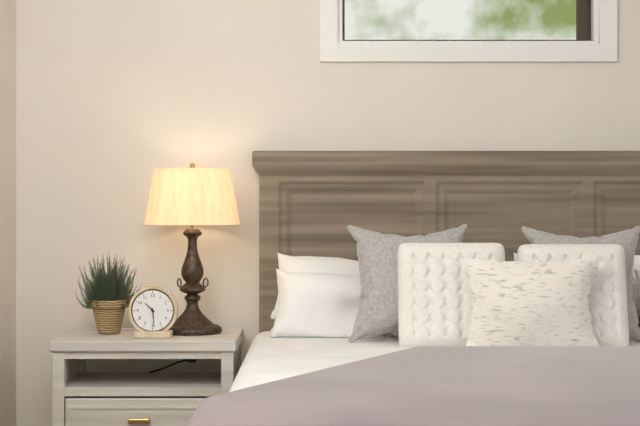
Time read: 10.29
